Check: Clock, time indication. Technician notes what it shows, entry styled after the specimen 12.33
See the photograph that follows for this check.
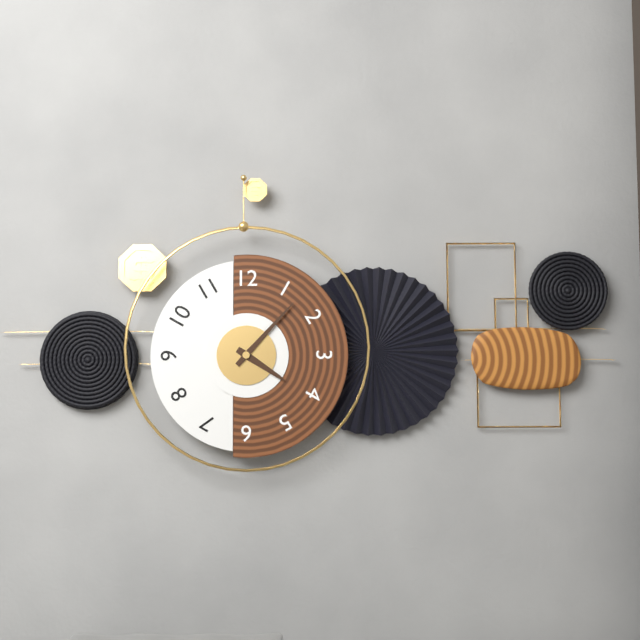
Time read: 4.07
